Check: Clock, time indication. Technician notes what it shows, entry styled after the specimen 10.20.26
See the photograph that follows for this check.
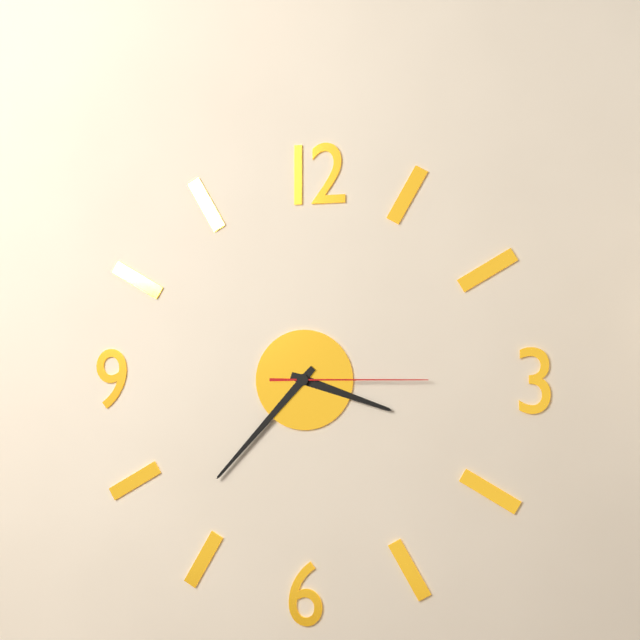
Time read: 3.37.15
